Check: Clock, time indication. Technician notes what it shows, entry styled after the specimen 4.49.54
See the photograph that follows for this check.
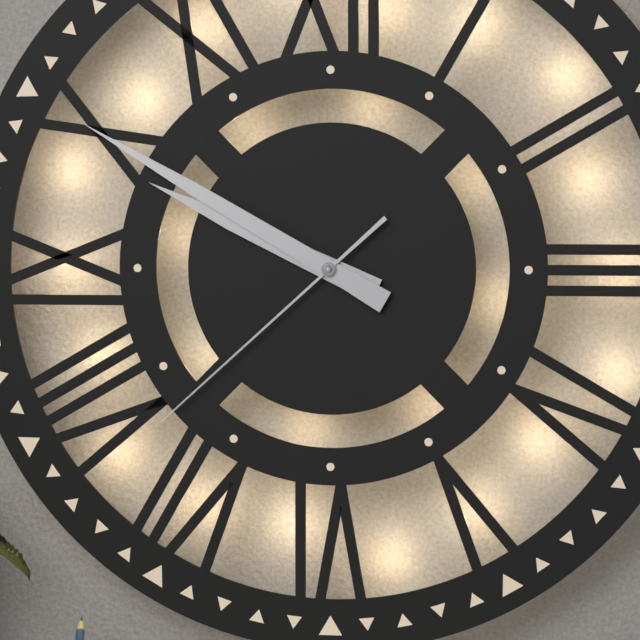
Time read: 9.50.38
